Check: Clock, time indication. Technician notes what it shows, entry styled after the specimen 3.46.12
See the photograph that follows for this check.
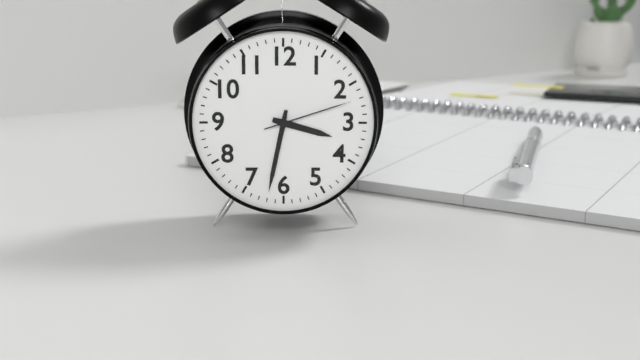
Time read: 3.32.12
